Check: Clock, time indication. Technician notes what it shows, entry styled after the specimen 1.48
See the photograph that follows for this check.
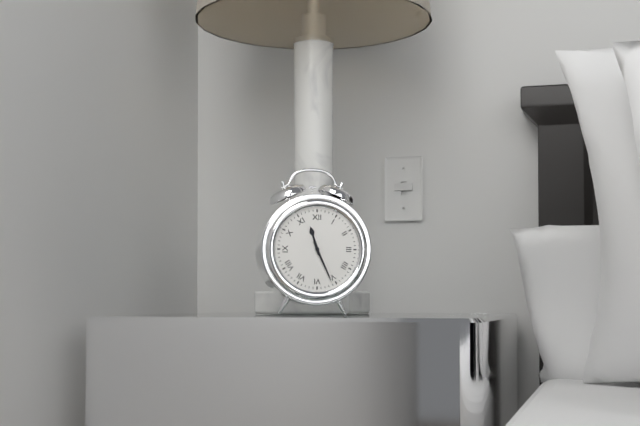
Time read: 11.26
